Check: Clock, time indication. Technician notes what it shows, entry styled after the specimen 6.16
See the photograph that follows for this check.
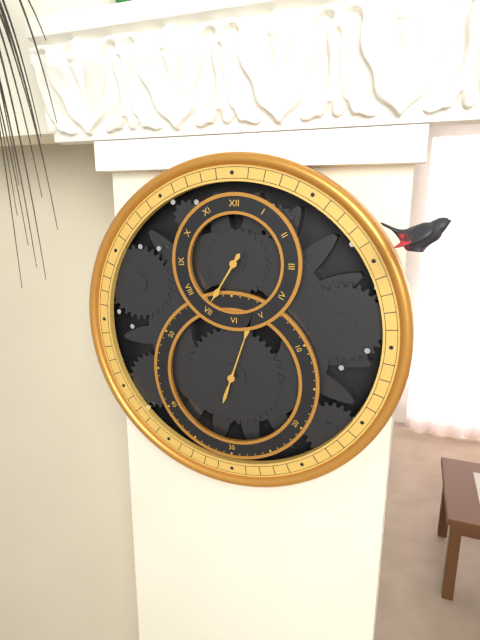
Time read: 7.03
